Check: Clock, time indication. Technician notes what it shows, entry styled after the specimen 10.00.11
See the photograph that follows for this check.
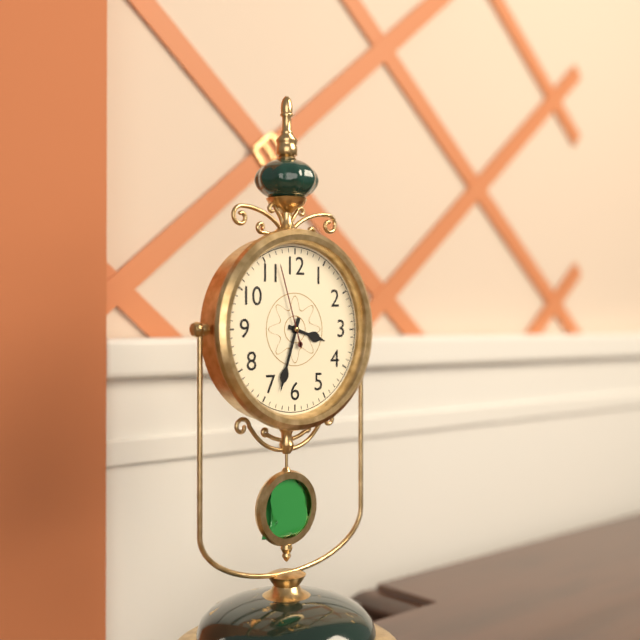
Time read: 3.33.57
